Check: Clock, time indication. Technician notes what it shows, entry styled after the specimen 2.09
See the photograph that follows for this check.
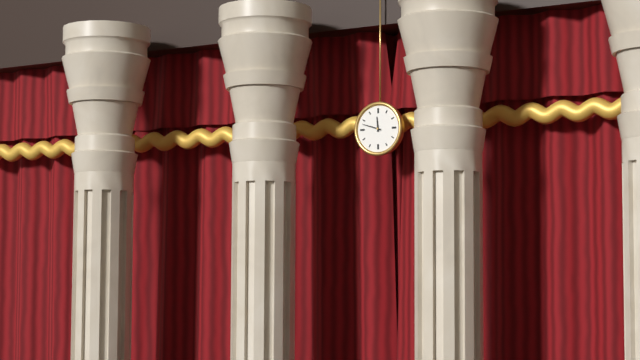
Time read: 11.48
